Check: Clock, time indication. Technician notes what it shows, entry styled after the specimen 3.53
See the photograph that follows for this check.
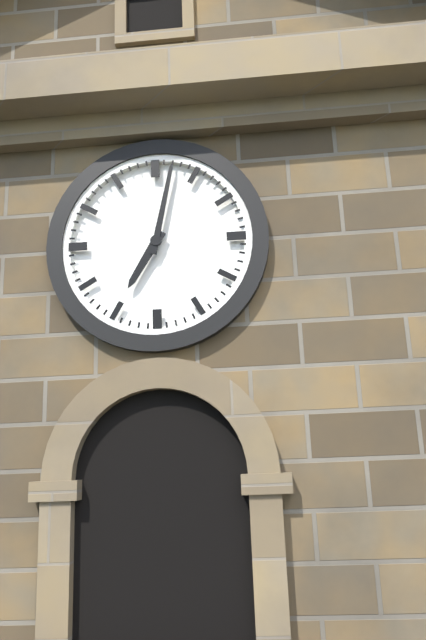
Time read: 7.02
